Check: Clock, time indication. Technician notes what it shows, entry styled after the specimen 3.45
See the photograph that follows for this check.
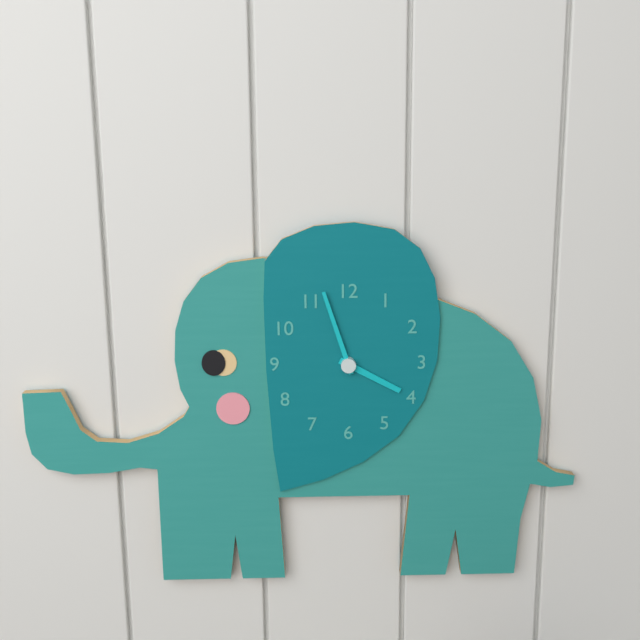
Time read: 3.57
